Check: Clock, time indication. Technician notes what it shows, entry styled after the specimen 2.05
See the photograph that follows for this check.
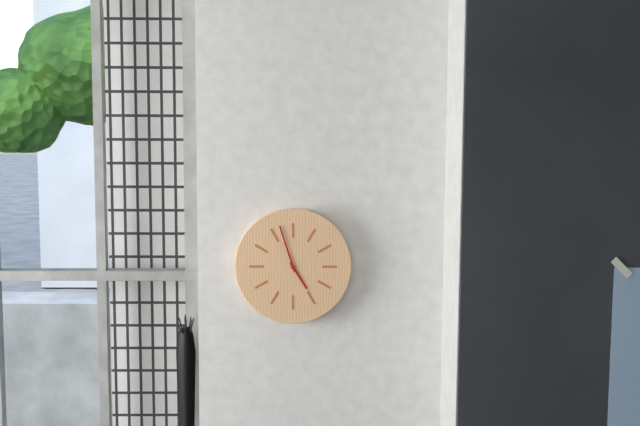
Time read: 4.57
